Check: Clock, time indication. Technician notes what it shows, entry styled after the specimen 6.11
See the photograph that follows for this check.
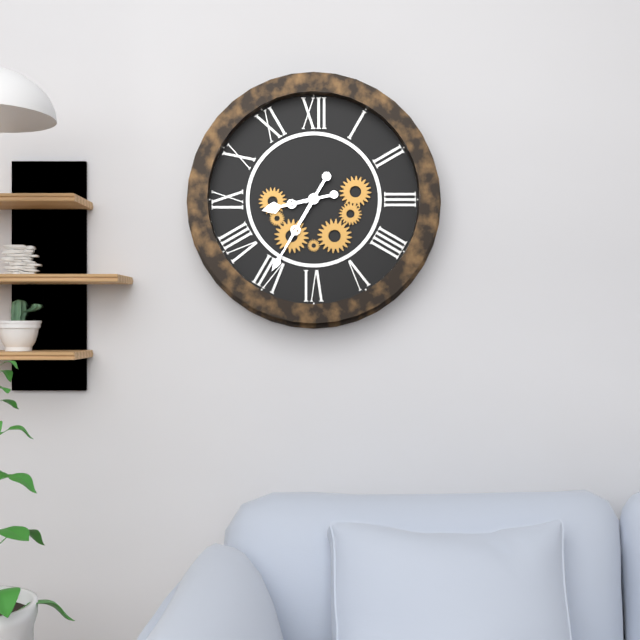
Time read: 8.35
